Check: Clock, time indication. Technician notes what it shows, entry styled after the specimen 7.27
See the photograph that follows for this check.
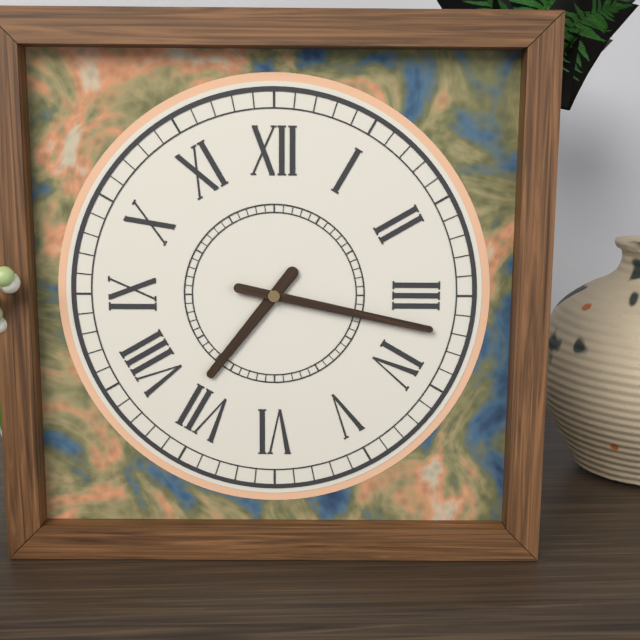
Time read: 7.17
